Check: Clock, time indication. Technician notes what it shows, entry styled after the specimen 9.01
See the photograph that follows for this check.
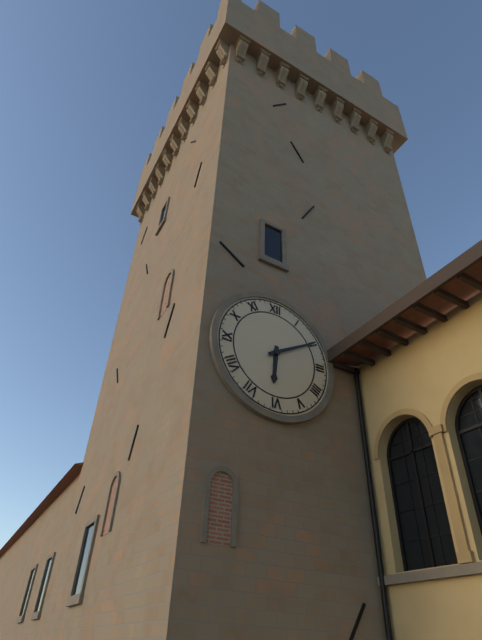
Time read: 6.10
